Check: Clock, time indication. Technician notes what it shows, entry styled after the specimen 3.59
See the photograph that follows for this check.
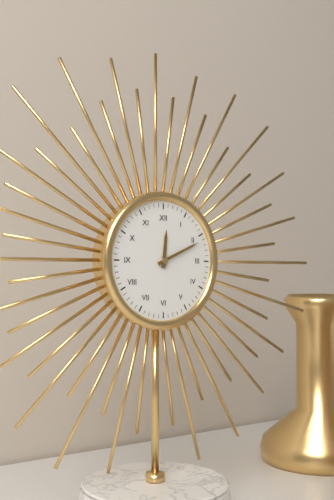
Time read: 12.11
